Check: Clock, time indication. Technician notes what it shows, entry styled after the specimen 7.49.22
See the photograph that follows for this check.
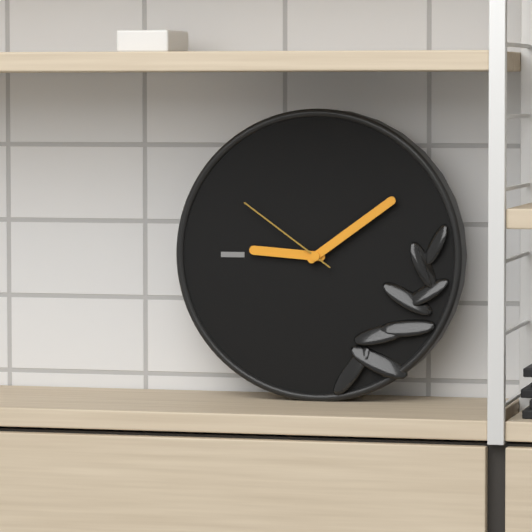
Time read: 9.09.51
